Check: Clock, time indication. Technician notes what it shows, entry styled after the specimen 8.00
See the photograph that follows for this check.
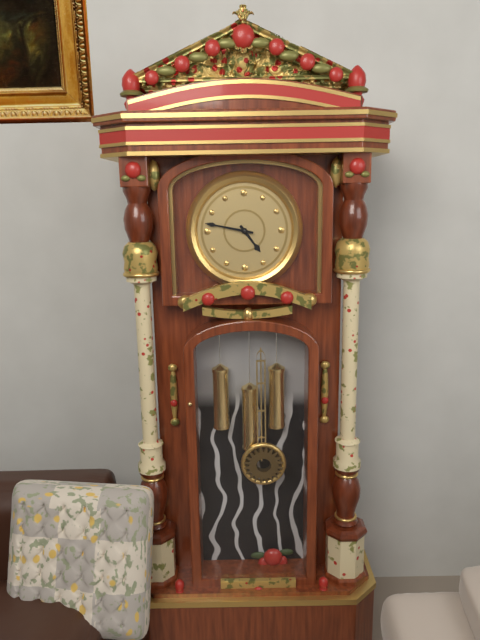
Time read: 4.47
